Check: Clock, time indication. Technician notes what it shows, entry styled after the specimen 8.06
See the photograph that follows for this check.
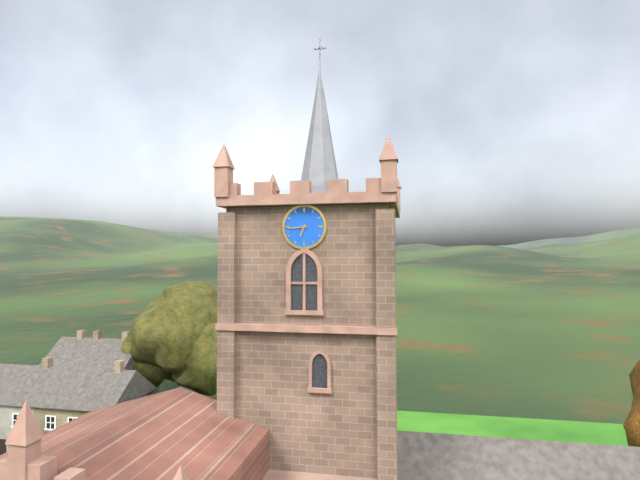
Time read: 6.44
